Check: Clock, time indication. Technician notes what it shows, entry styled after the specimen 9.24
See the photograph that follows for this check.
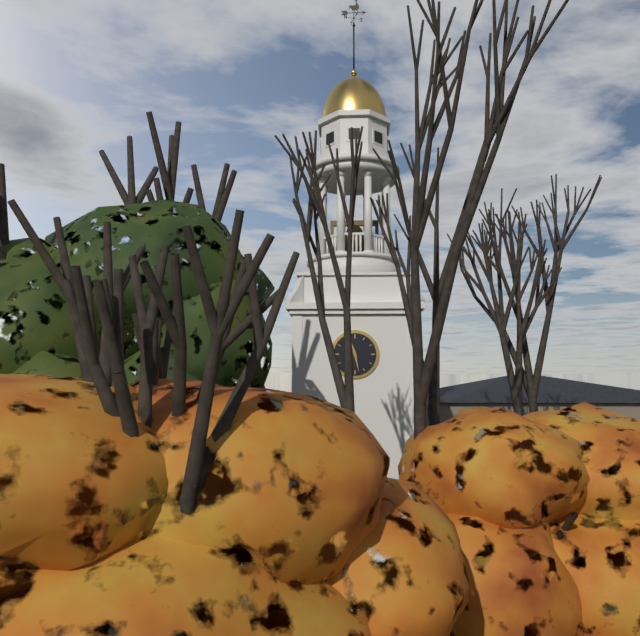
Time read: 11.28
